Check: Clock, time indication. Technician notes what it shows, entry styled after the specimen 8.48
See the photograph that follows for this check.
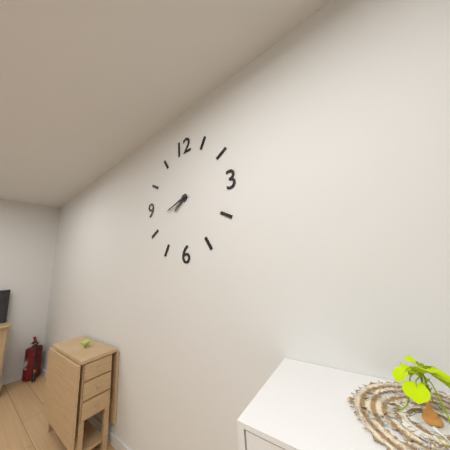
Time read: 7.42
